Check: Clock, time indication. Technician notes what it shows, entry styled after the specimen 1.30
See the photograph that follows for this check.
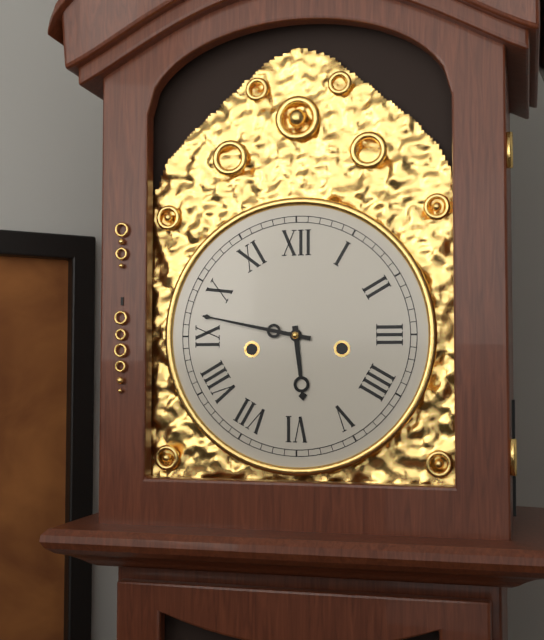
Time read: 5.47
